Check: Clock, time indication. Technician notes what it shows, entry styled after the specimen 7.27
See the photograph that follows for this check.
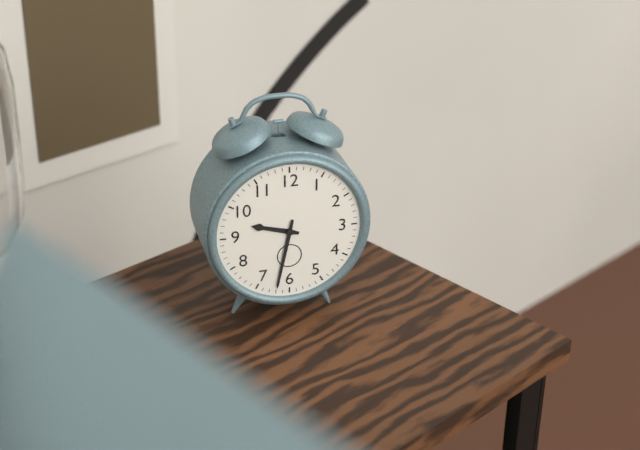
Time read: 9.32
